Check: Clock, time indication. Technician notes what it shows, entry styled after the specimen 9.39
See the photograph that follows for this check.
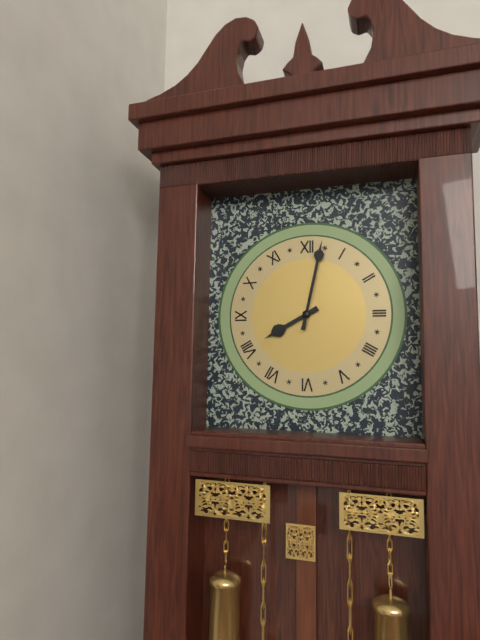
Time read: 8.02
